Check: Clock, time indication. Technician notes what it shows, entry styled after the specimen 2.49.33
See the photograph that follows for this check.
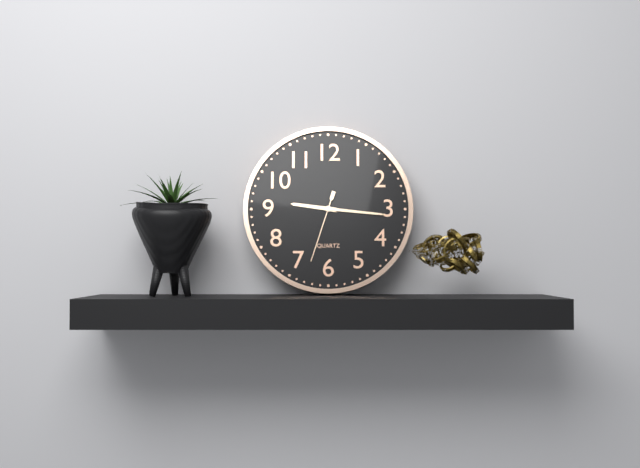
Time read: 9.16.33
